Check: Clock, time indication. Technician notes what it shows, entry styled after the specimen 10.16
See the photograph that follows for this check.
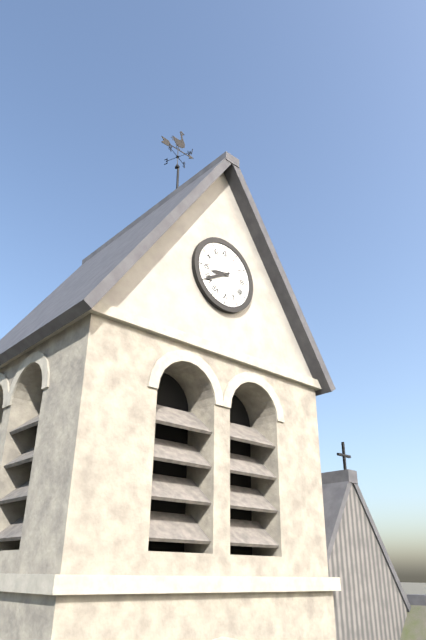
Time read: 8.40
